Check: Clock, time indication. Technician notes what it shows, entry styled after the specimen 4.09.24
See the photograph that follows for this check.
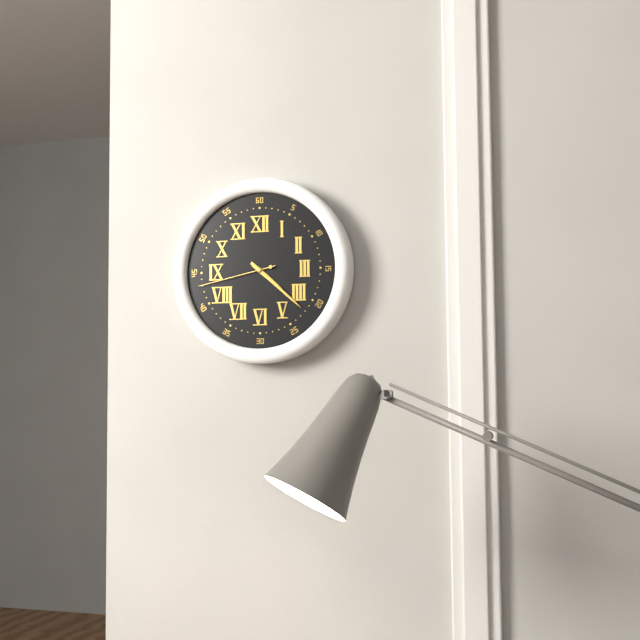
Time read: 4.22.43
